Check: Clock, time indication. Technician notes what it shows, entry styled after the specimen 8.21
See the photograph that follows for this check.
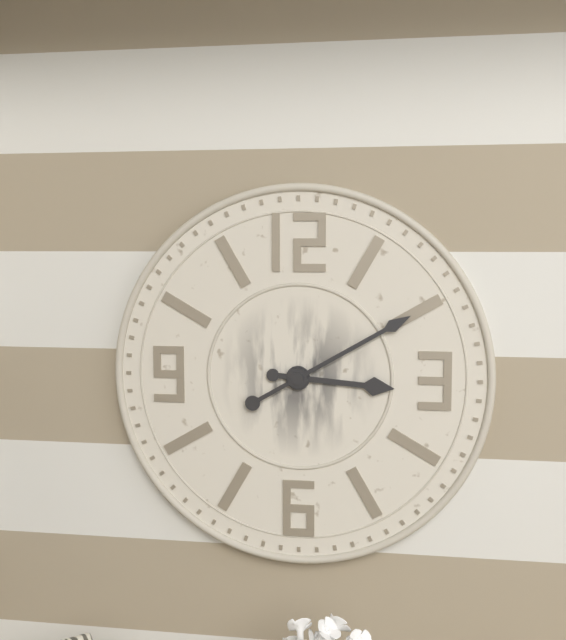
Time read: 3.10
